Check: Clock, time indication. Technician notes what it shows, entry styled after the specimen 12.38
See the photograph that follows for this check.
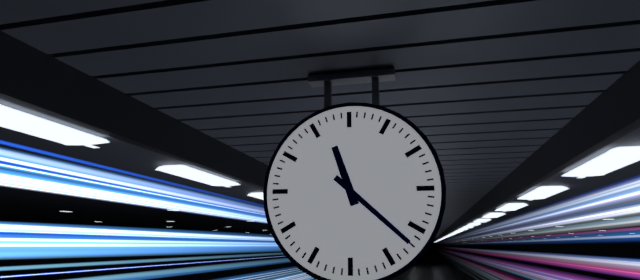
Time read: 11.22
